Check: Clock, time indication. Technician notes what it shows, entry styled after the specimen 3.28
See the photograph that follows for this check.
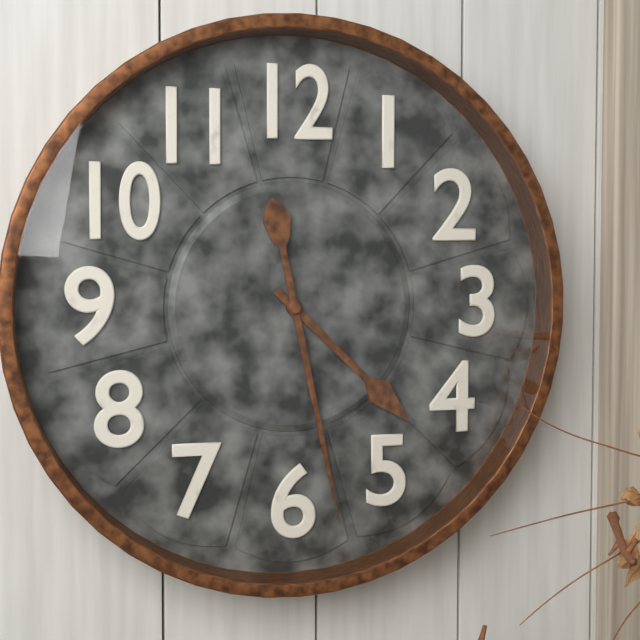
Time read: 4.28
